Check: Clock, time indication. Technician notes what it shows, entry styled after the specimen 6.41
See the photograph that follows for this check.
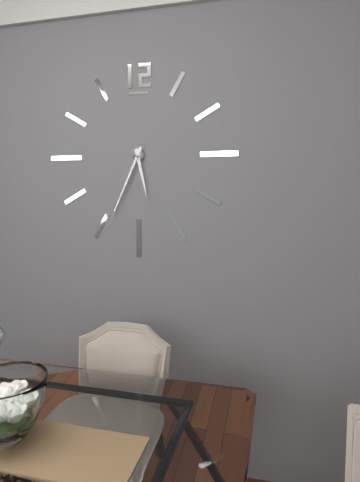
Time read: 5.34
